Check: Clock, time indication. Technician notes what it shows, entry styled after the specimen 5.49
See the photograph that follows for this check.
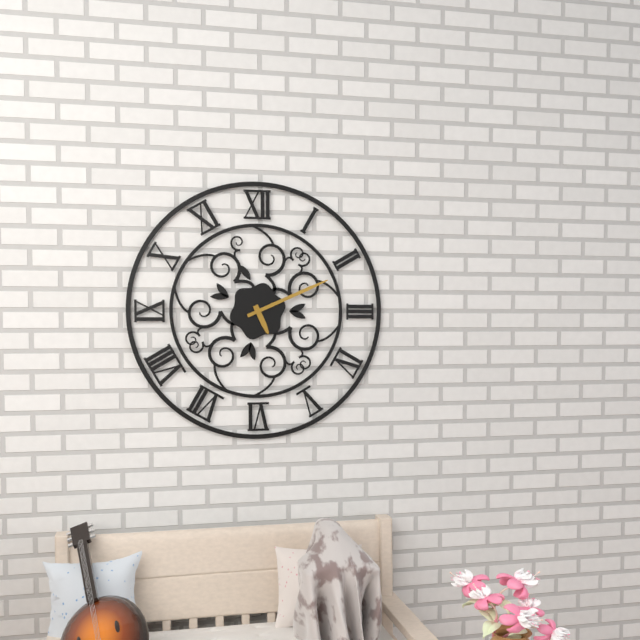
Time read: 5.11
